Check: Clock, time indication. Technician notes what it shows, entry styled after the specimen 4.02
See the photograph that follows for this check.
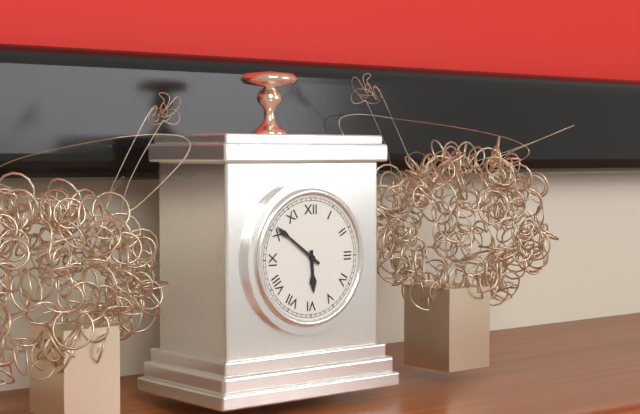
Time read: 5.51
